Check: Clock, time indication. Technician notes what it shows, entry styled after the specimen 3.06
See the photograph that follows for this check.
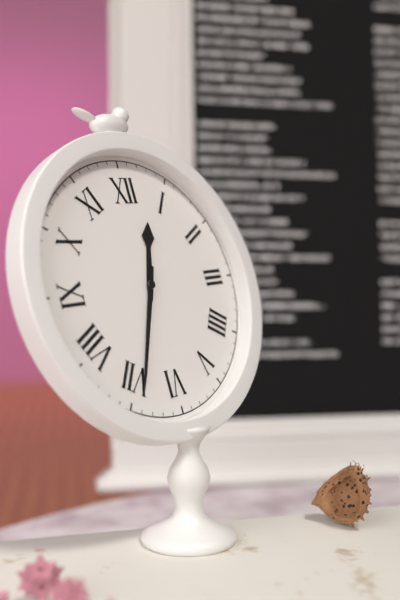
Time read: 12.34
